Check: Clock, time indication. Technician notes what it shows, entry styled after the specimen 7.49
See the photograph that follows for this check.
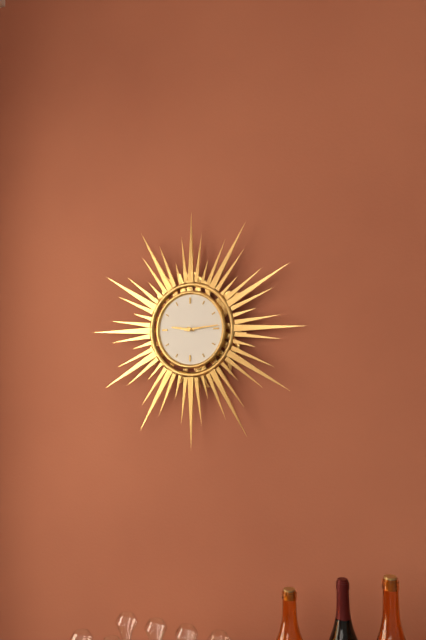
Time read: 9.14
